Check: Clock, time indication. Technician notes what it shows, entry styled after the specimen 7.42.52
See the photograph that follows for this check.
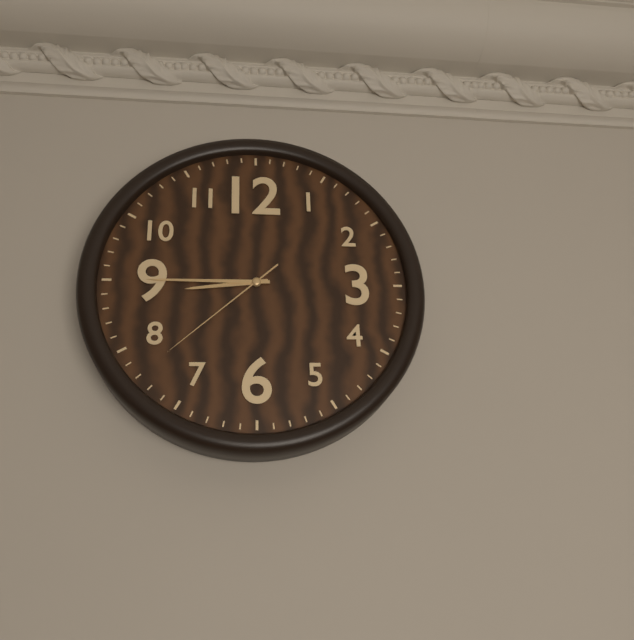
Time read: 8.45.38
